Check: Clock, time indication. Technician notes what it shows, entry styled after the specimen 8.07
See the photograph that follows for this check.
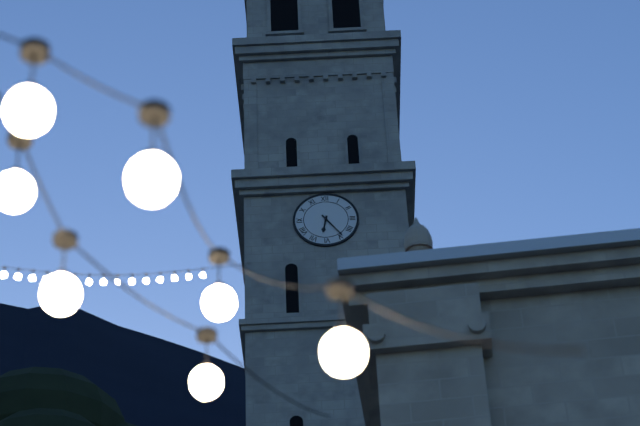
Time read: 6.24
